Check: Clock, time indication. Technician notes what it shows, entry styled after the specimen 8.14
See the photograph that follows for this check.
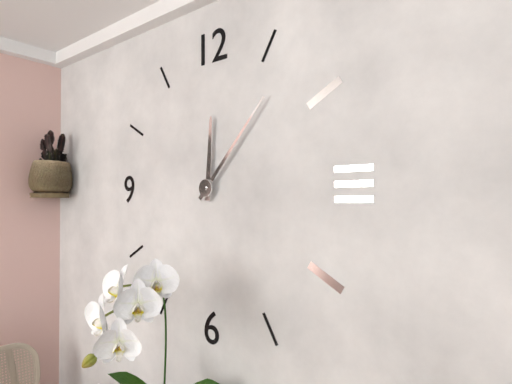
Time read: 12.07
